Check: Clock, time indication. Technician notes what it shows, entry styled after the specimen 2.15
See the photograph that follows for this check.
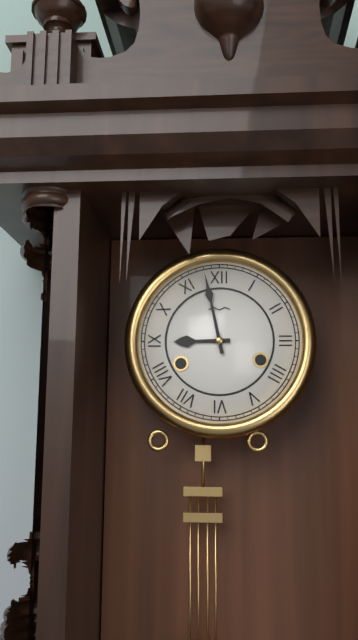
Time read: 8.58
